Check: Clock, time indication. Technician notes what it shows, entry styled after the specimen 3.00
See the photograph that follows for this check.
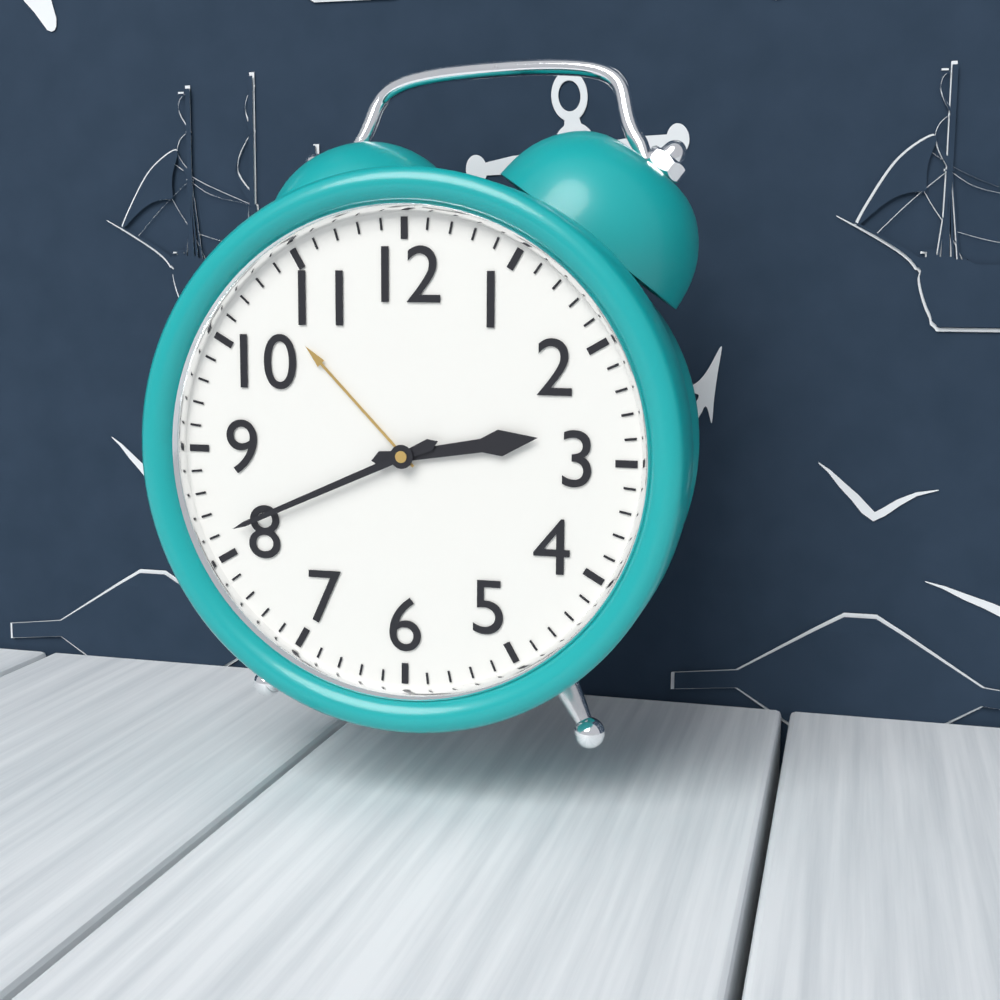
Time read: 2.41
